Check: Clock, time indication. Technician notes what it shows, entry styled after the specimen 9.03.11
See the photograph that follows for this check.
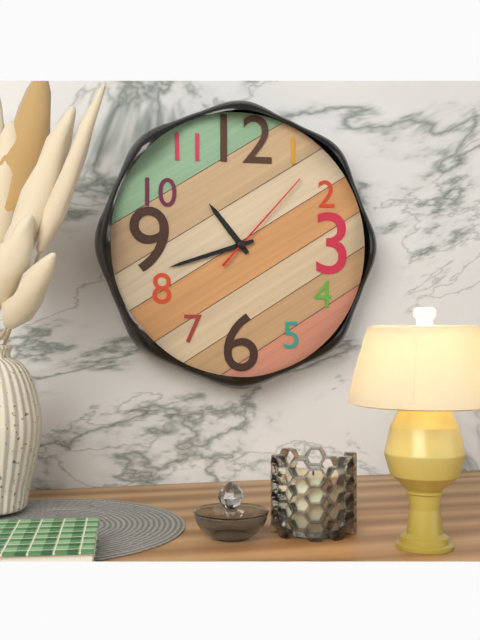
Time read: 10.42.07
